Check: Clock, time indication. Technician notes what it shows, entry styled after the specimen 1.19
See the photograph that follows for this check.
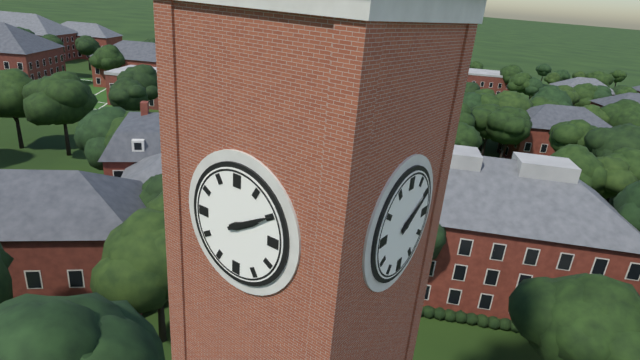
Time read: 2.10
